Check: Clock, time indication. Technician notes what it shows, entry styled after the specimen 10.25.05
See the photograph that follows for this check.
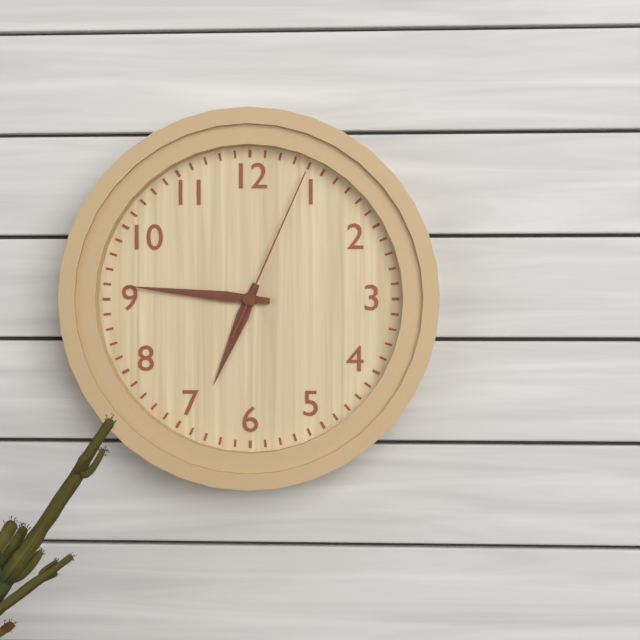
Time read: 6.46.04
